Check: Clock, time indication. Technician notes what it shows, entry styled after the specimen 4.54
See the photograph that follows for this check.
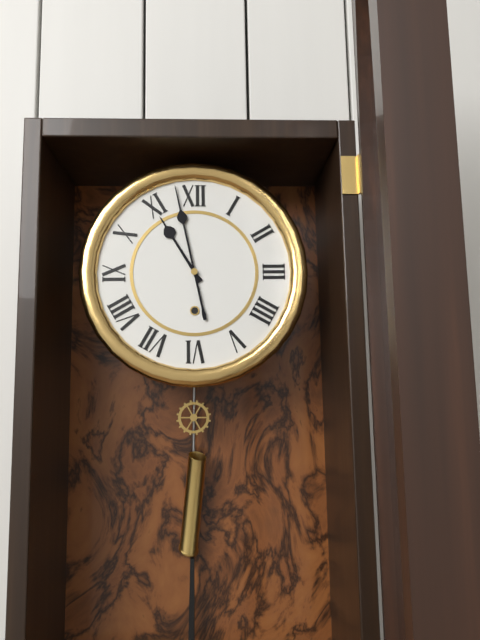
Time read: 10.58
